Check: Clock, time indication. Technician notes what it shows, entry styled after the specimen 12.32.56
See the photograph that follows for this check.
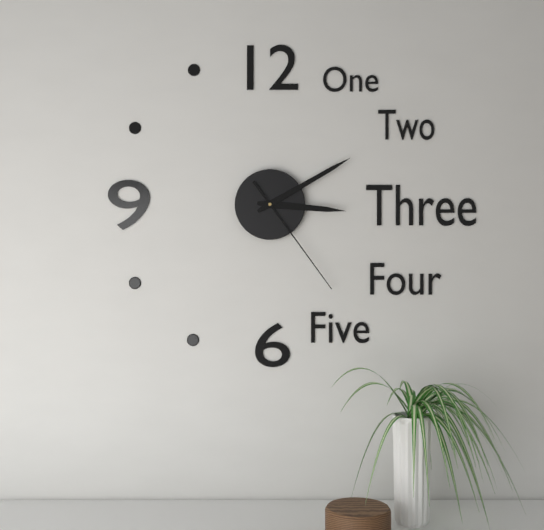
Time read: 3.10.24
